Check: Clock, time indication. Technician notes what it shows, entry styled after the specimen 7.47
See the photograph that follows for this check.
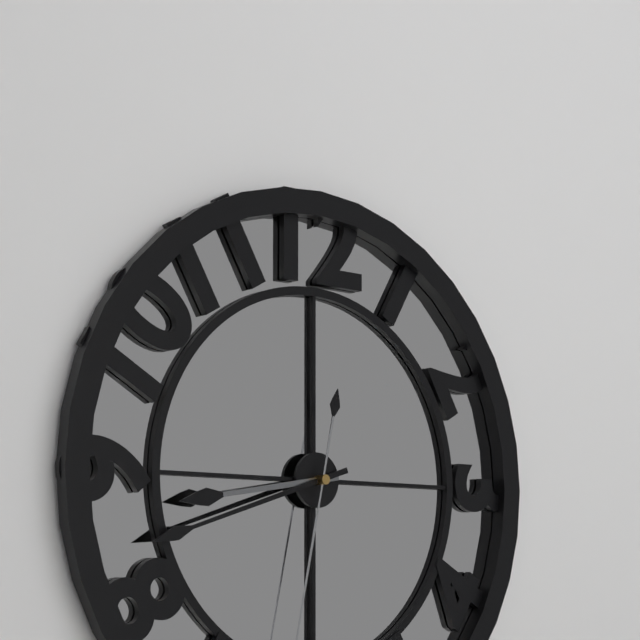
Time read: 8.42
